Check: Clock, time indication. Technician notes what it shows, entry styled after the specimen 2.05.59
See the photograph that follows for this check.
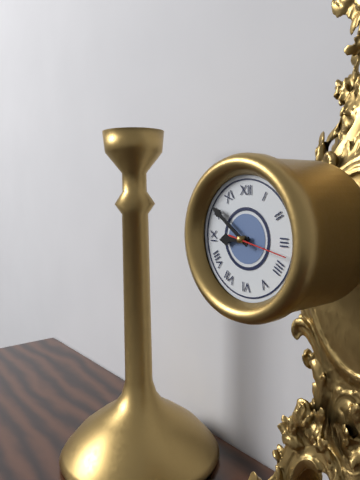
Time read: 8.51.17
